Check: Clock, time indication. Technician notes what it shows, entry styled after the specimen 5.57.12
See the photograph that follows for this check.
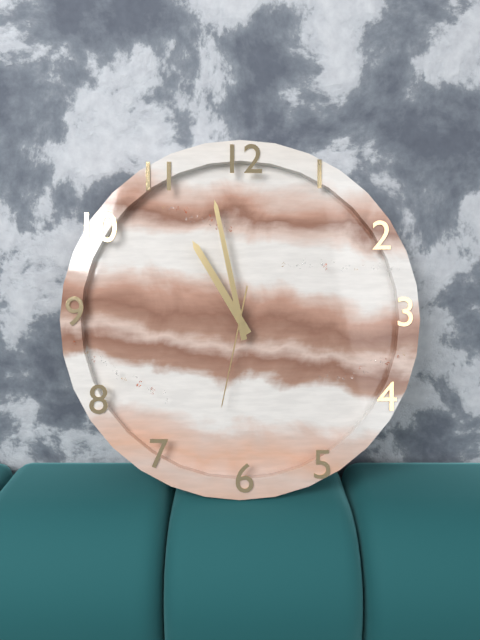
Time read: 10.58.32
